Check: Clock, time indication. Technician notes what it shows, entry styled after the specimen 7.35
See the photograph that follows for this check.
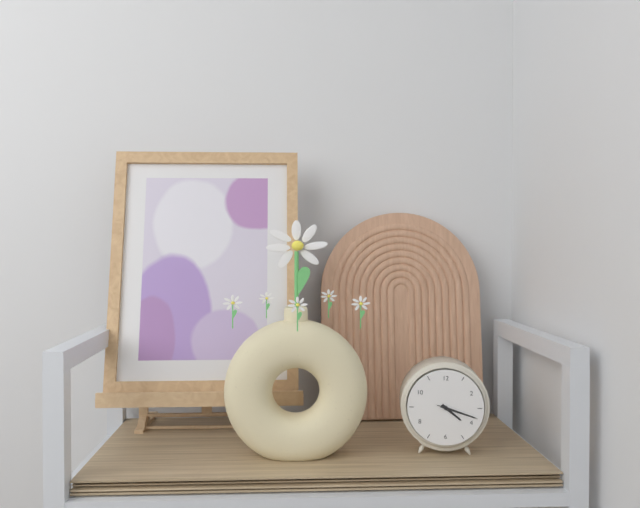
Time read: 4.18
